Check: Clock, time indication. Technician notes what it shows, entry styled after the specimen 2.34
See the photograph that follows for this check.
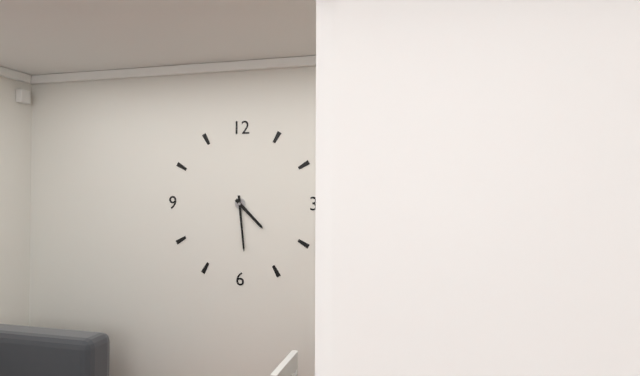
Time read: 4.29
